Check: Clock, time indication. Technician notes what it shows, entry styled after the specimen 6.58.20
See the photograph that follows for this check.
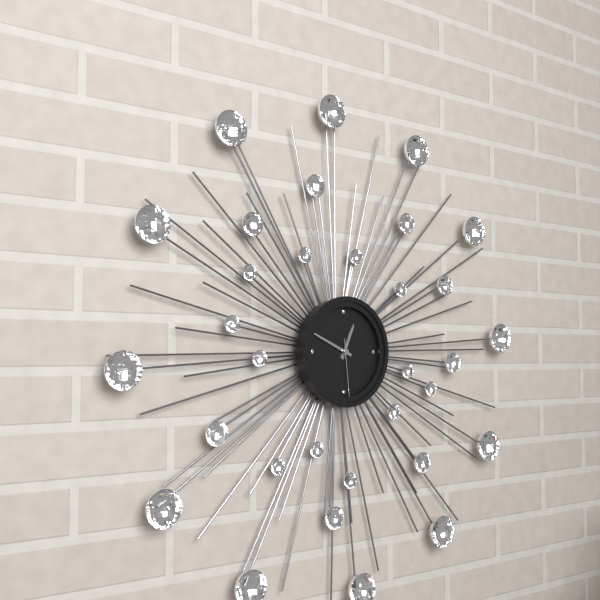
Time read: 12.49.29
